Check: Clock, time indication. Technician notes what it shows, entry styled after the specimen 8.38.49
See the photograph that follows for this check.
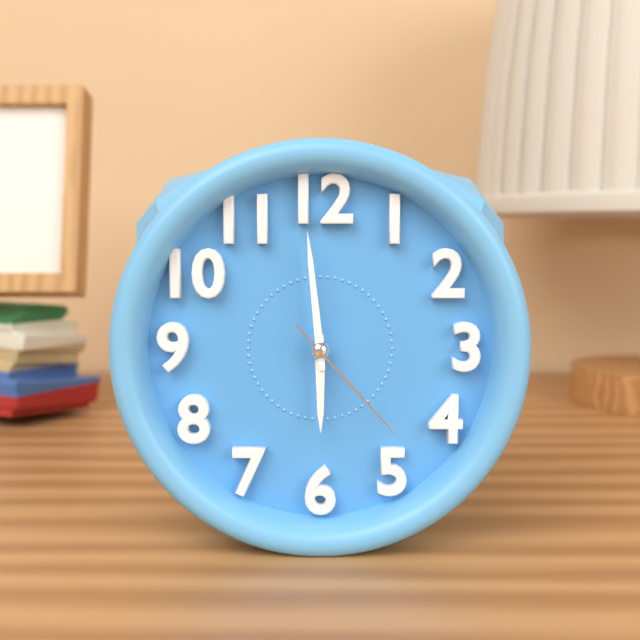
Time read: 5.59.23
